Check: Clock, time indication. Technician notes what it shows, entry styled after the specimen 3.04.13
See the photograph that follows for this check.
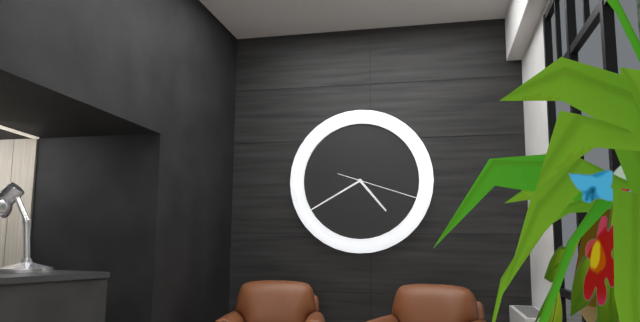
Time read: 4.40.18
